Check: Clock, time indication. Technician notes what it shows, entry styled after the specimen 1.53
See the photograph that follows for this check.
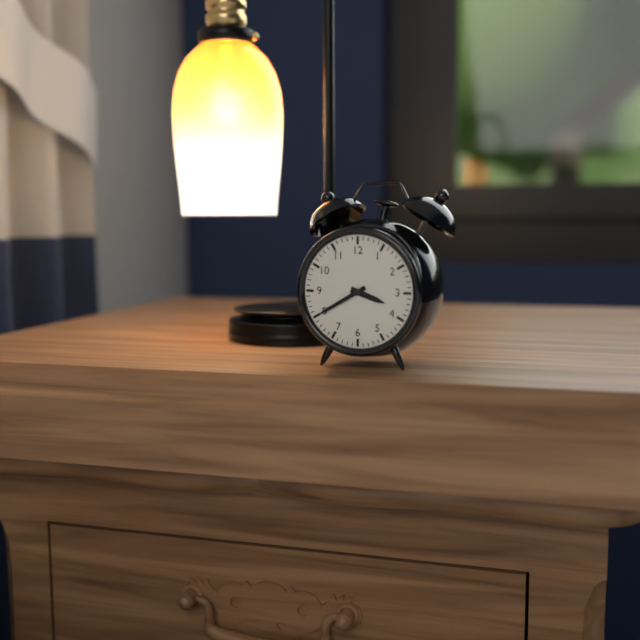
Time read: 3.40
